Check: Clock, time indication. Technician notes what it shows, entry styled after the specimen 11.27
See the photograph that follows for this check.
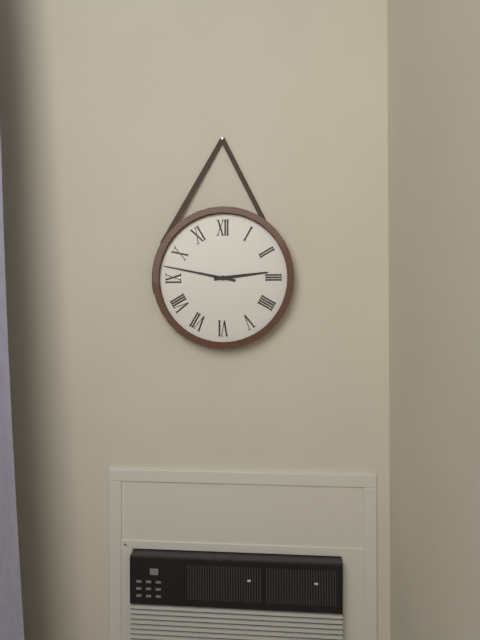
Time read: 2.47
